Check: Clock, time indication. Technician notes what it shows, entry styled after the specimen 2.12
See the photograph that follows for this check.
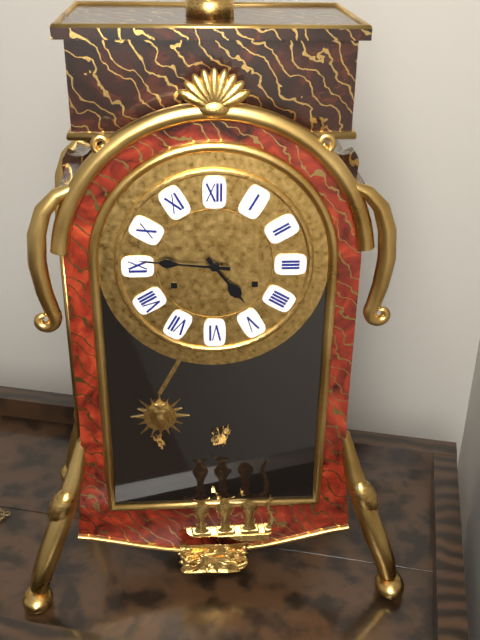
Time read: 4.46
